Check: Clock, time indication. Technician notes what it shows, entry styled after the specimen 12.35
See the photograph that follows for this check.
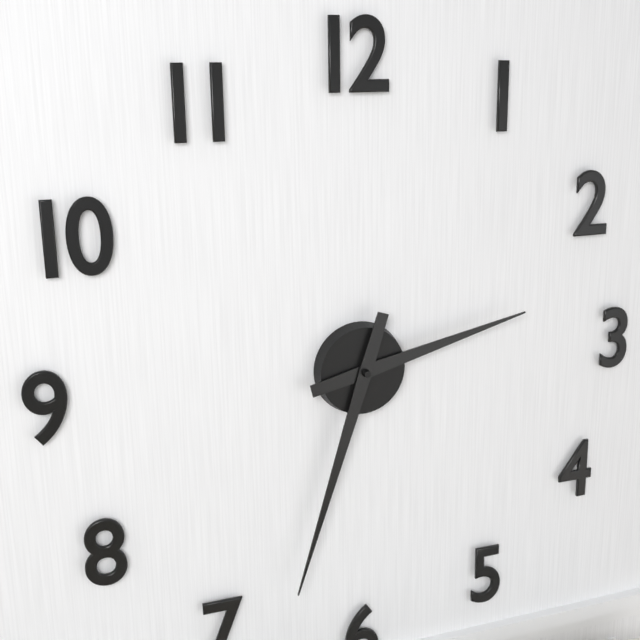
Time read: 2.33
